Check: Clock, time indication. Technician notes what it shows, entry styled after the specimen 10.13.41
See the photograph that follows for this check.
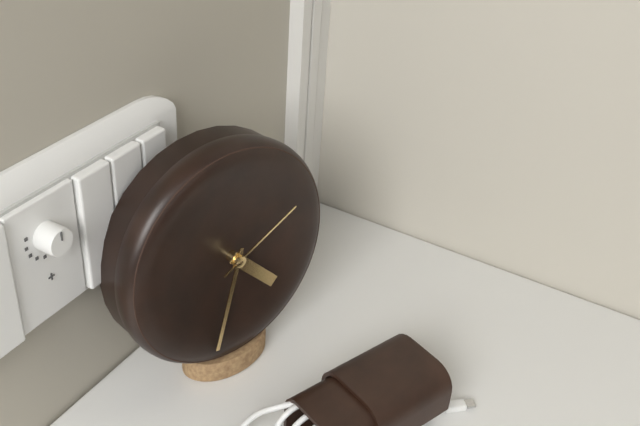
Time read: 4.33.11
